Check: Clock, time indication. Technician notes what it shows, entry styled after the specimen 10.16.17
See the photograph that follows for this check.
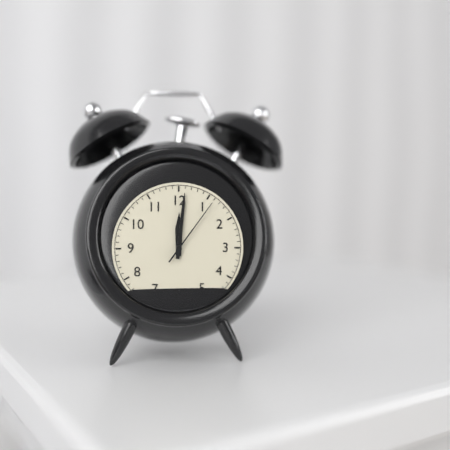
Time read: 12.01.06
